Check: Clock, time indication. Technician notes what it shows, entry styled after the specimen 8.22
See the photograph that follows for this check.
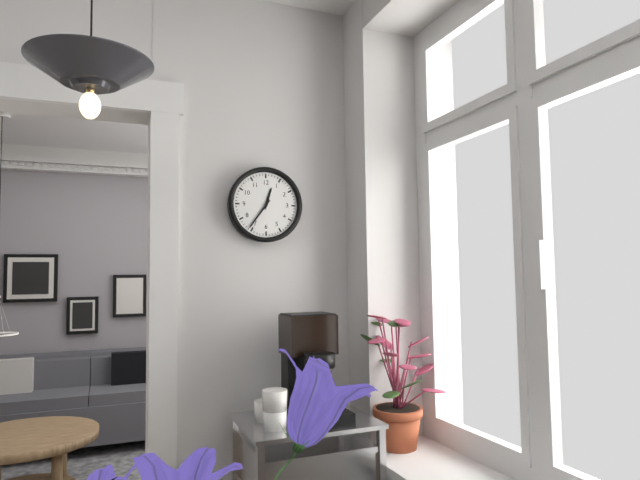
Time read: 12.36
